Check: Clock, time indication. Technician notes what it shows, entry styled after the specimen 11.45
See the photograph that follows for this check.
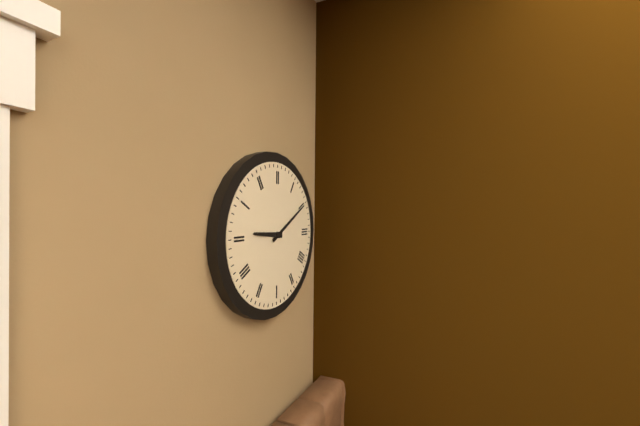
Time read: 9.10
